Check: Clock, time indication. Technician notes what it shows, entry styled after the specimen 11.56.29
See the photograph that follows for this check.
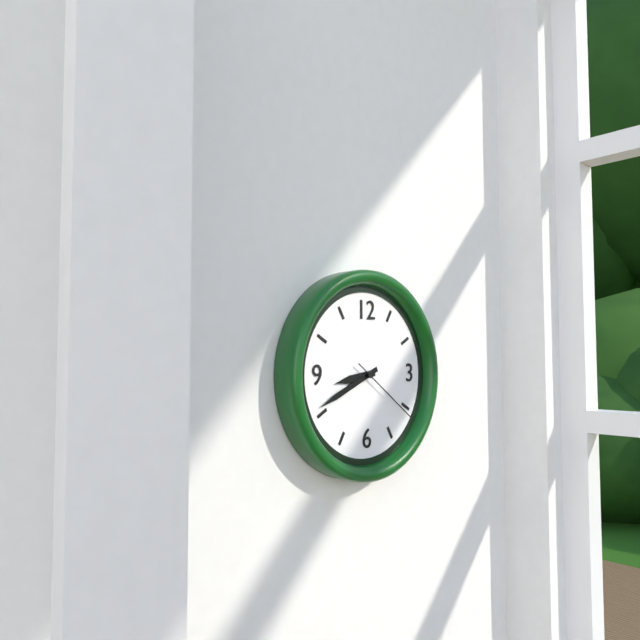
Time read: 8.41.21
